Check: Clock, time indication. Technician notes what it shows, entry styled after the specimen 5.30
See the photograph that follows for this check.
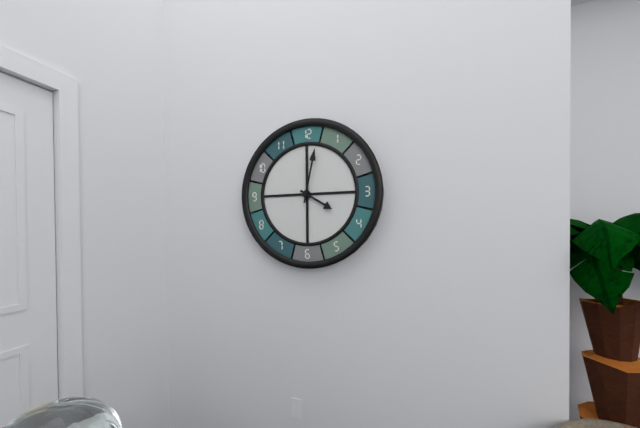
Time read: 4.02
